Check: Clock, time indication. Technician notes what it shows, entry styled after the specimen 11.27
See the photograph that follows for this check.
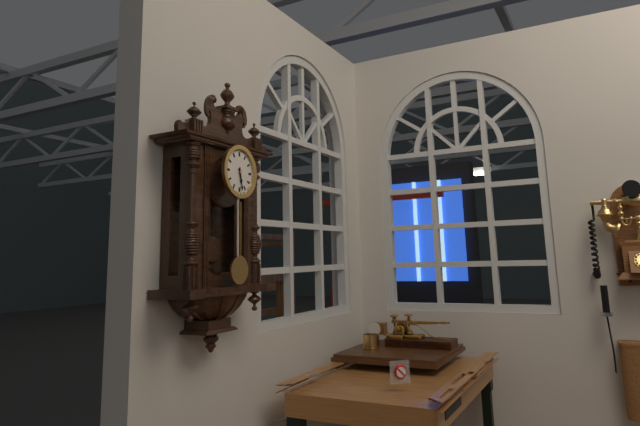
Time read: 5.28
